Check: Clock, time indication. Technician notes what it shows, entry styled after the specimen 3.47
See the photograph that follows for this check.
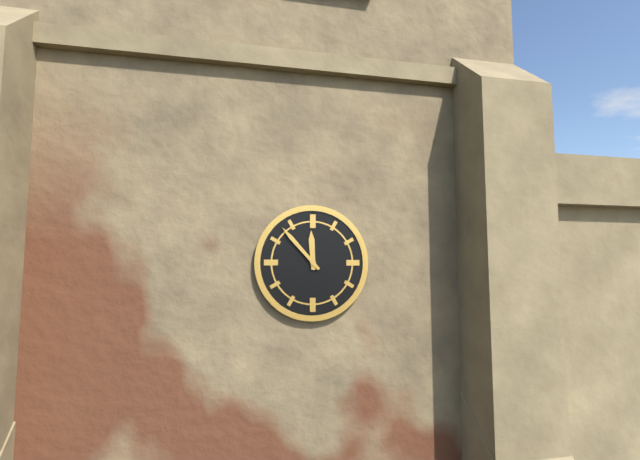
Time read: 11.53
